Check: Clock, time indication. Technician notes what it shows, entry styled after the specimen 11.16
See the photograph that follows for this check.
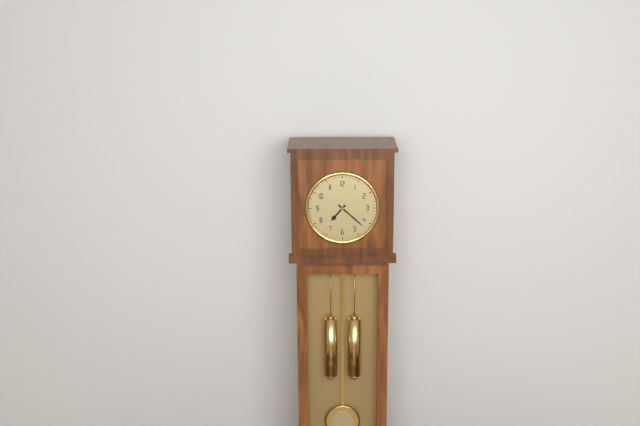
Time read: 7.22
